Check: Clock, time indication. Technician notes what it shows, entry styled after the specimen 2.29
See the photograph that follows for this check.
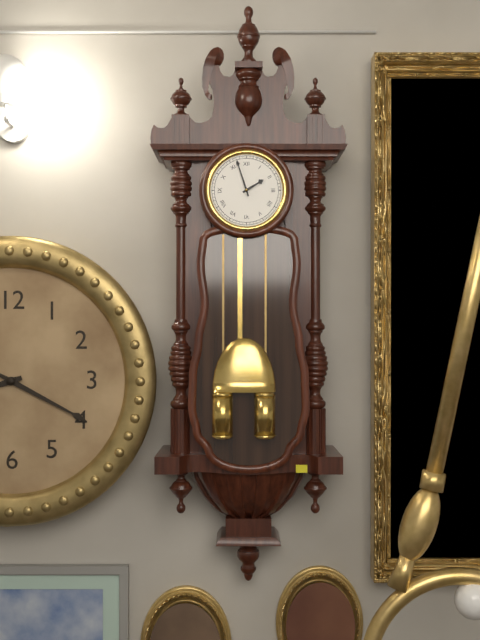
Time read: 1.57
